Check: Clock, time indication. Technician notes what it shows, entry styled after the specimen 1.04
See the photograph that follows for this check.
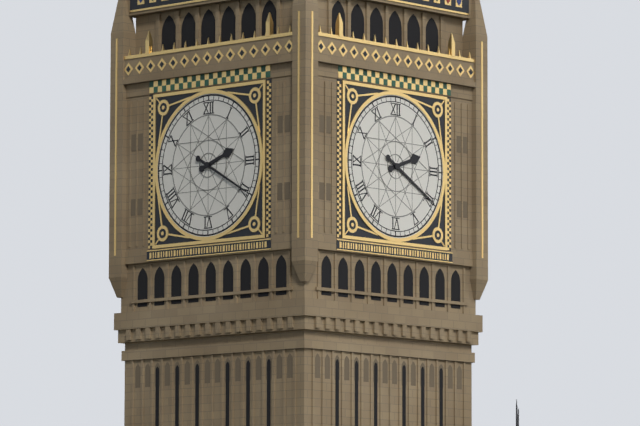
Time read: 2.20
